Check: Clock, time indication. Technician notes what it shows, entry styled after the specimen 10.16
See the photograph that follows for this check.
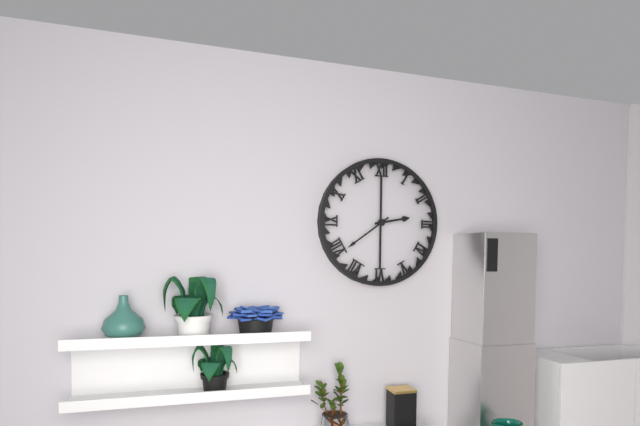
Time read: 2.39
